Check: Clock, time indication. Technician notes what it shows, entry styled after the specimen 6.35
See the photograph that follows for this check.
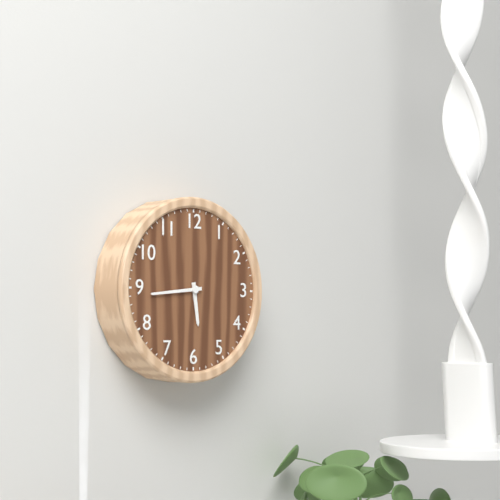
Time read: 5.44
